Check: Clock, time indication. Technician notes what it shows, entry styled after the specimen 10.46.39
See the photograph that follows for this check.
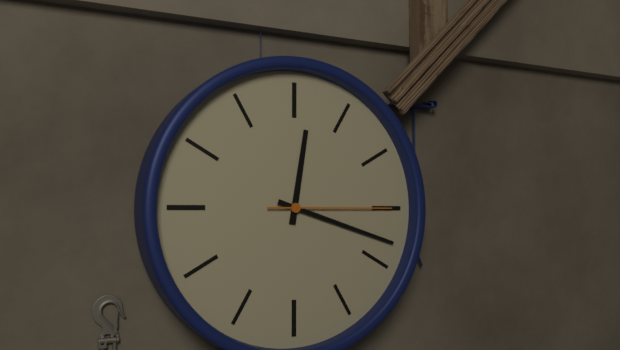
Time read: 12.18.15
